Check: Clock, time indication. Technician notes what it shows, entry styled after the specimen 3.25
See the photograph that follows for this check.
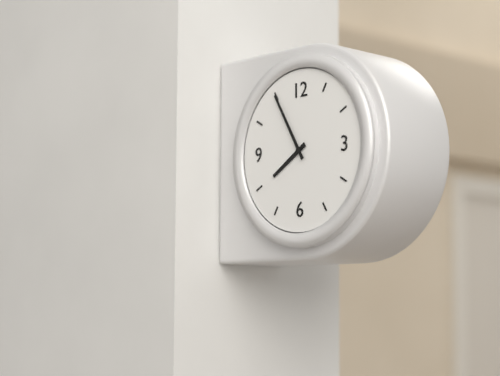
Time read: 7.55
